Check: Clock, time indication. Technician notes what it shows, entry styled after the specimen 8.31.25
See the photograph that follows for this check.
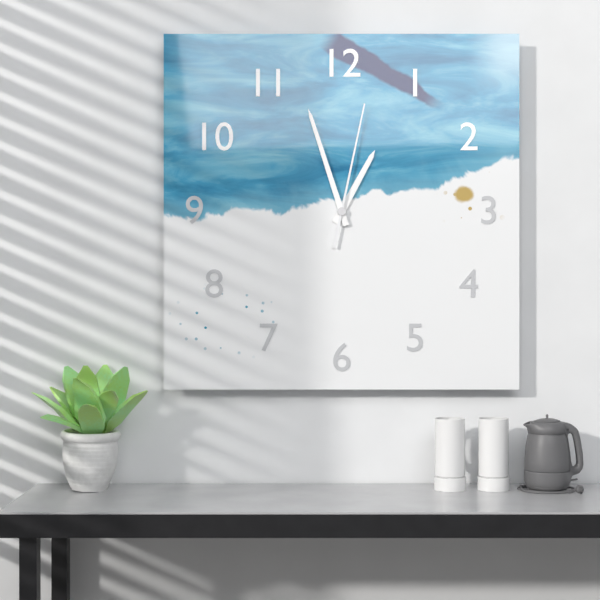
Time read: 12.57.02
